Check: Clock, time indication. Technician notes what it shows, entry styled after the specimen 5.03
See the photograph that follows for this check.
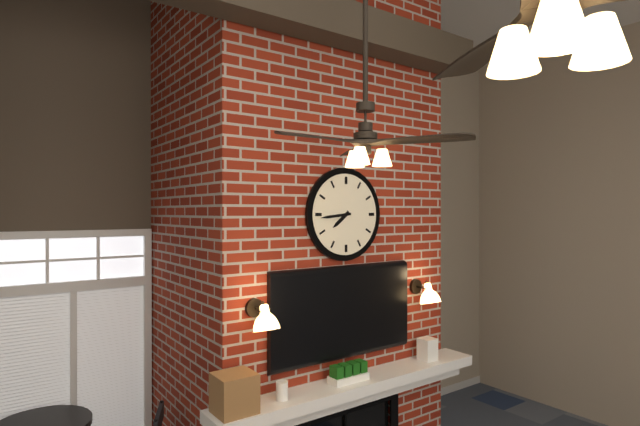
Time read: 7.44
